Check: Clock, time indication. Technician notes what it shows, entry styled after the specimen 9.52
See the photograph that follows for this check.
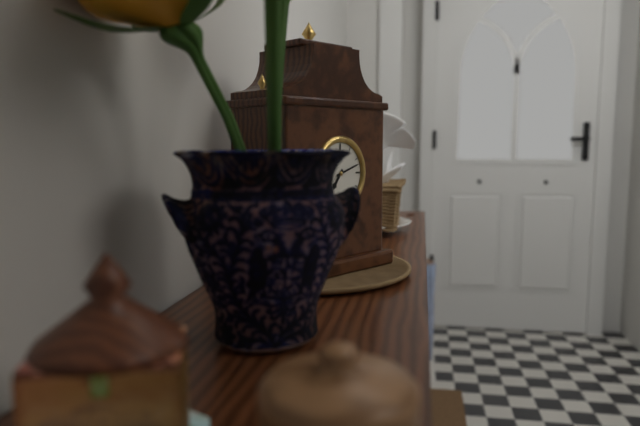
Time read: 7.12
